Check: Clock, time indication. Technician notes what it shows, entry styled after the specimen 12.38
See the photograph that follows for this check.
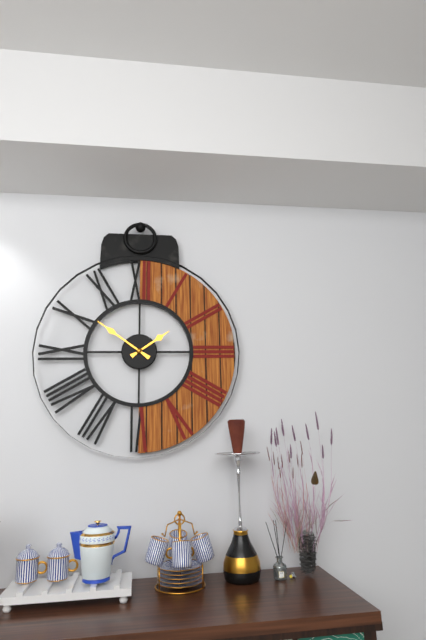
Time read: 1.51
